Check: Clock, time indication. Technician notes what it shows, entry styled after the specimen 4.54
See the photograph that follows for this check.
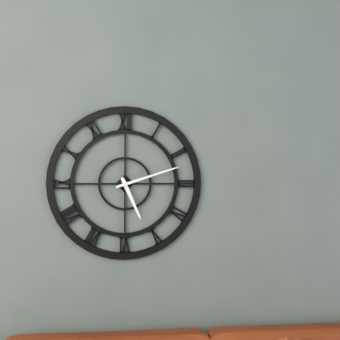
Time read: 5.12
